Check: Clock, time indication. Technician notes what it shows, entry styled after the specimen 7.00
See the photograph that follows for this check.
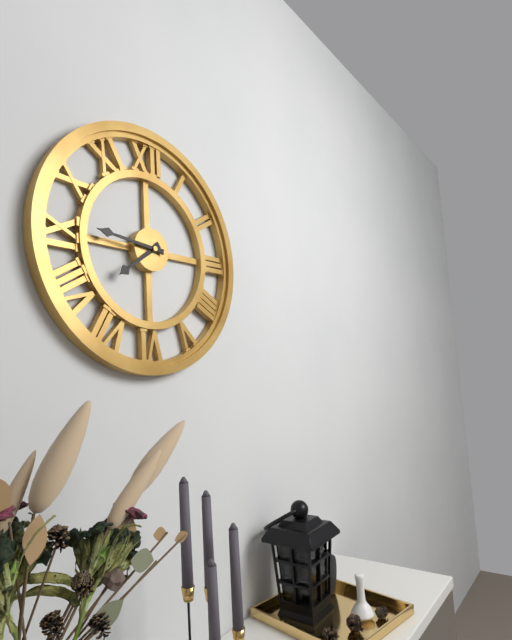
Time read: 7.46
